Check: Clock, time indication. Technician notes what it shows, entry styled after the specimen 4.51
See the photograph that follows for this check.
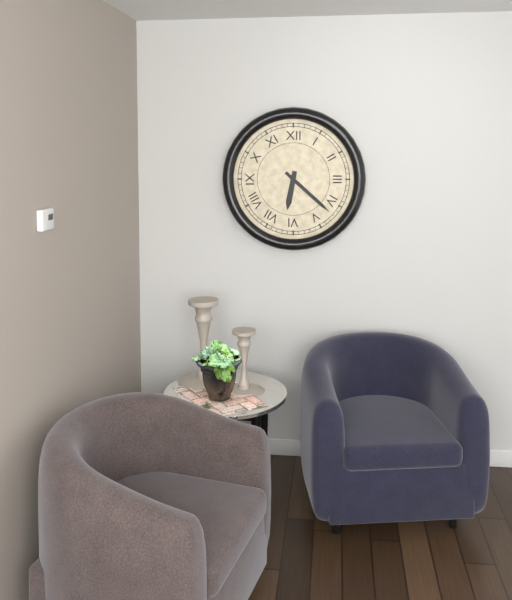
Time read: 6.22
